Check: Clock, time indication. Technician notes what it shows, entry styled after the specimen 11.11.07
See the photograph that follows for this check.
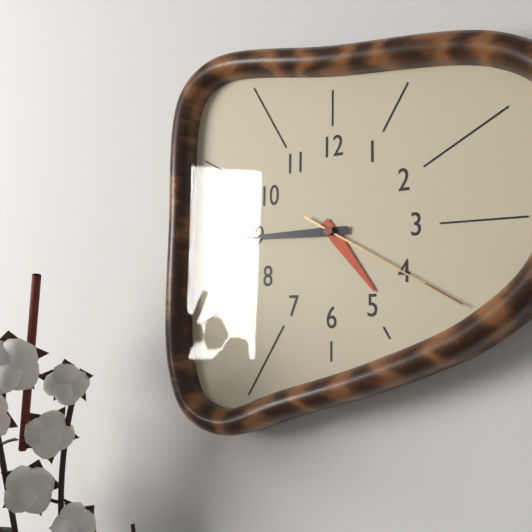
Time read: 4.45.20
